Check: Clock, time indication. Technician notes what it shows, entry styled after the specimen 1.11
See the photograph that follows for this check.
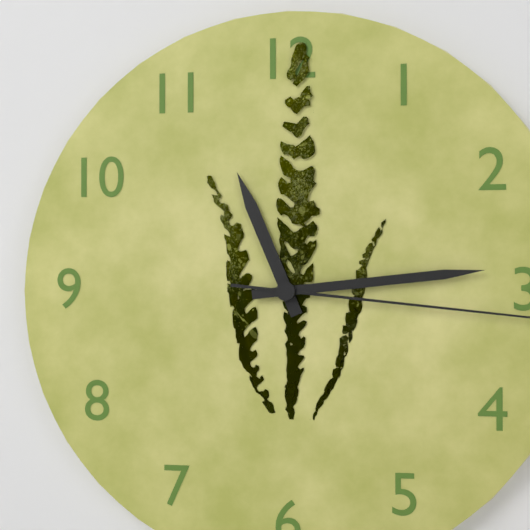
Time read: 11.14
